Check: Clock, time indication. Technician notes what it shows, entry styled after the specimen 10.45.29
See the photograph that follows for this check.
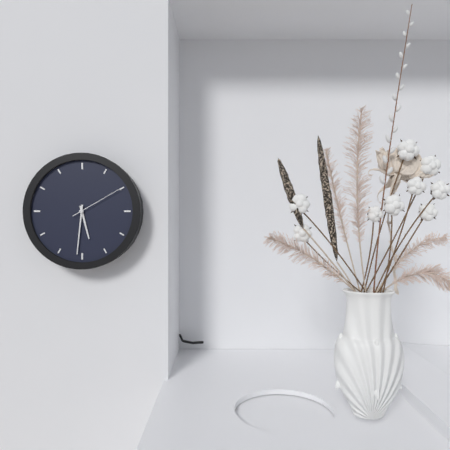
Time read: 5.31.10
